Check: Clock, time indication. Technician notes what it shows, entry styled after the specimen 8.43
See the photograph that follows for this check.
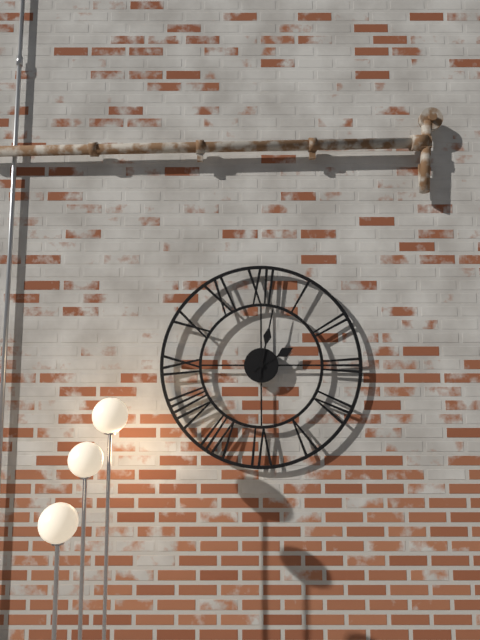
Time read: 2.02
